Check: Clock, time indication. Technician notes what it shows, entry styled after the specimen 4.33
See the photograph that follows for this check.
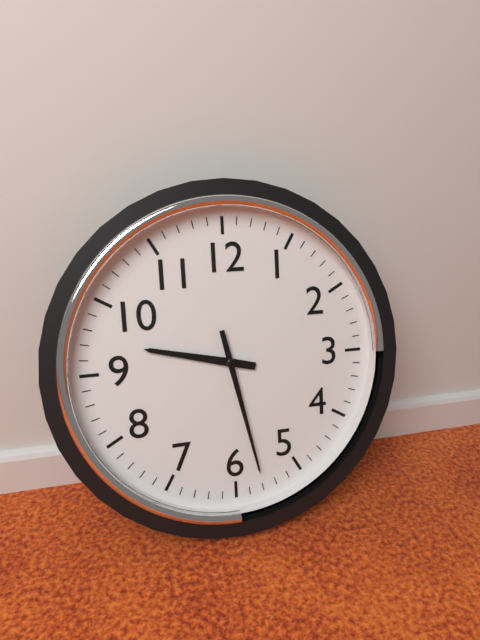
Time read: 9.28
